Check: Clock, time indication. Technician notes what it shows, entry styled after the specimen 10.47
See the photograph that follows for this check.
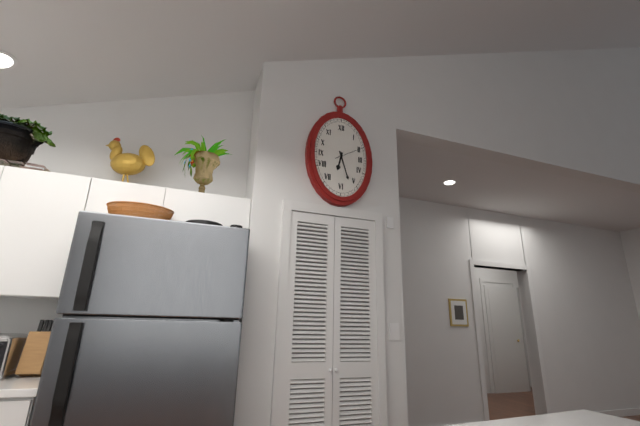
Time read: 6.27
